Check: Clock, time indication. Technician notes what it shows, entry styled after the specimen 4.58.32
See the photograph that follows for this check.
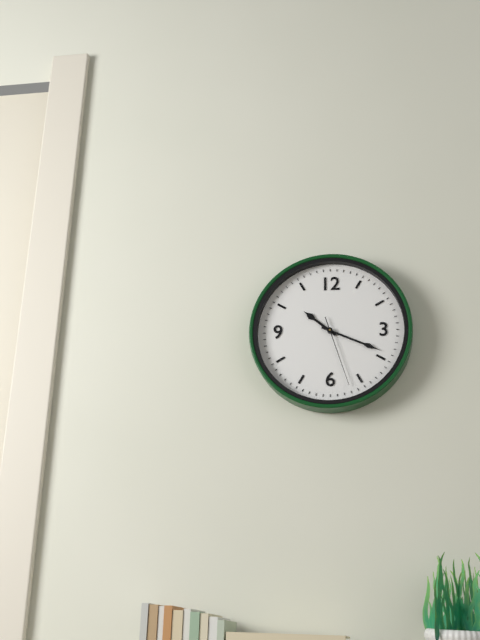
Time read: 10.19.27
